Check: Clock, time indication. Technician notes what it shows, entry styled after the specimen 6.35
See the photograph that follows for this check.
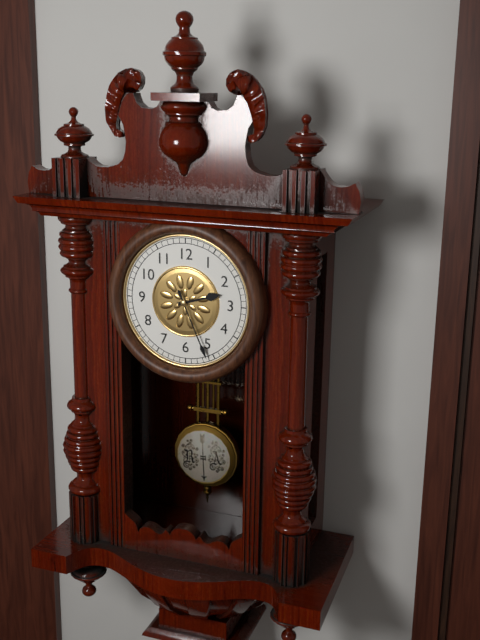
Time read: 2.26
